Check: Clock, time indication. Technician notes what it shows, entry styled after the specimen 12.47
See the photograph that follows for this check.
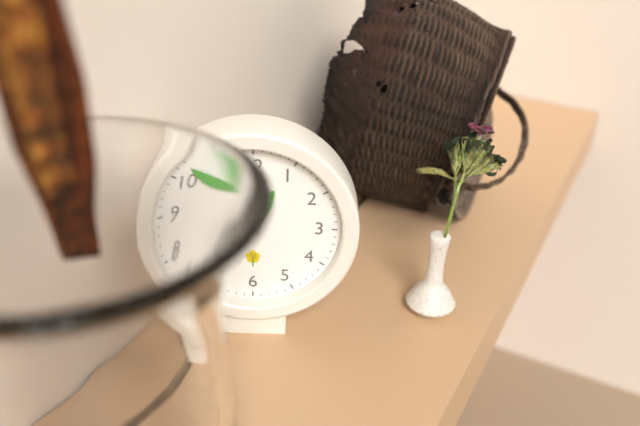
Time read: 12.52
